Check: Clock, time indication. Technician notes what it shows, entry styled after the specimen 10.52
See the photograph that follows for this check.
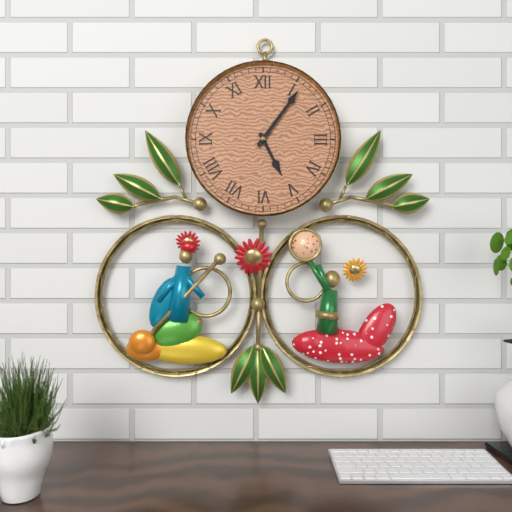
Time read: 5.06
